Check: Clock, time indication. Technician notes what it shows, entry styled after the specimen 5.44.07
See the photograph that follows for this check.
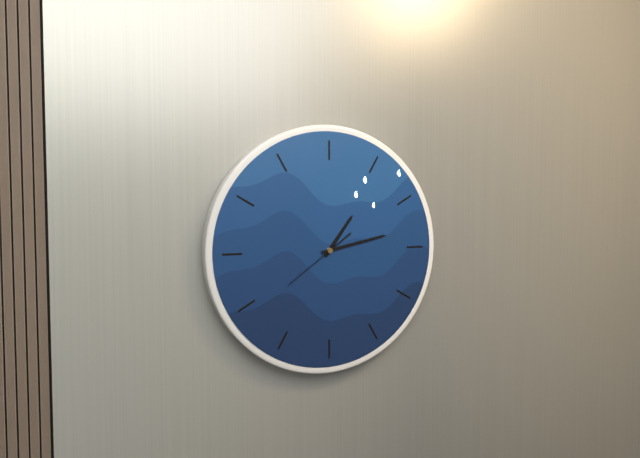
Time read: 1.13.39
